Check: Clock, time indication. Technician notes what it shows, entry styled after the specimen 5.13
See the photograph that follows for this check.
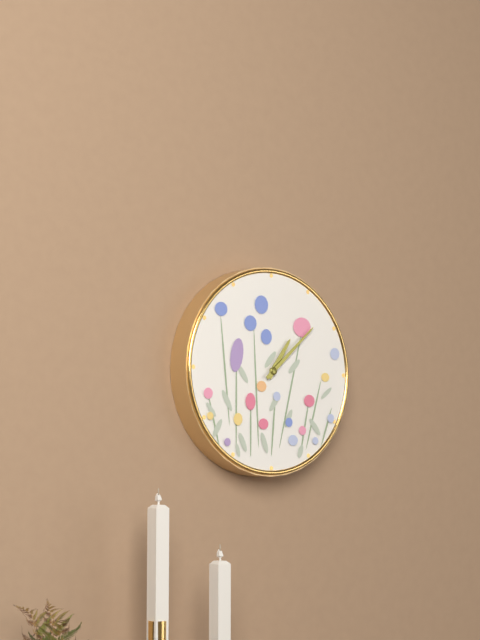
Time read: 1.08
